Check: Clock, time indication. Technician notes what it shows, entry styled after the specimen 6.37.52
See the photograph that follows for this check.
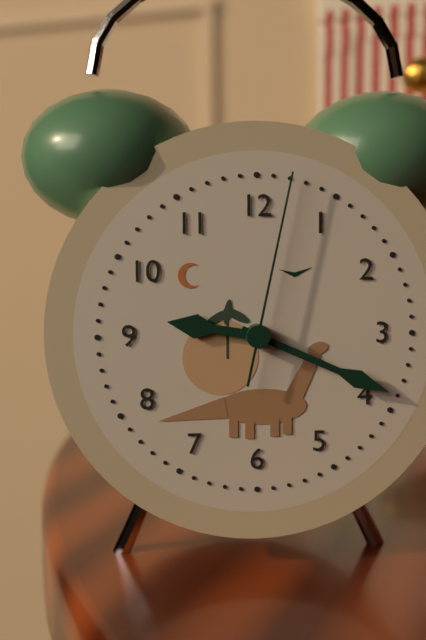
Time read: 9.19.02
